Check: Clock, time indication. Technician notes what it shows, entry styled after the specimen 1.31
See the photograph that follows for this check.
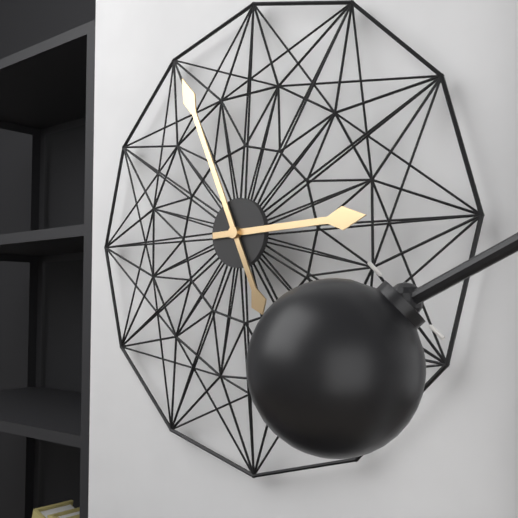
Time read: 2.56
